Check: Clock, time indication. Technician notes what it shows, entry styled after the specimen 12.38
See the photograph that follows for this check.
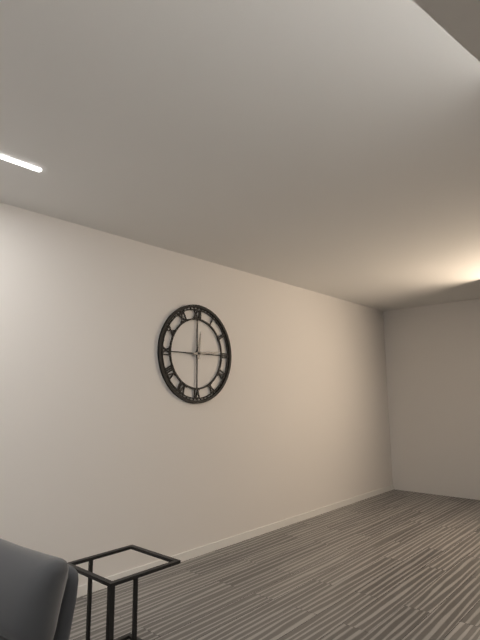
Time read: 12.14
